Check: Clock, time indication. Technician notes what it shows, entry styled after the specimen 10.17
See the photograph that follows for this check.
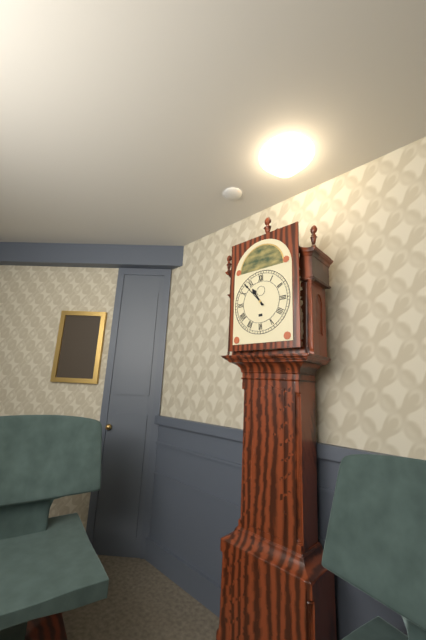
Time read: 10.53
